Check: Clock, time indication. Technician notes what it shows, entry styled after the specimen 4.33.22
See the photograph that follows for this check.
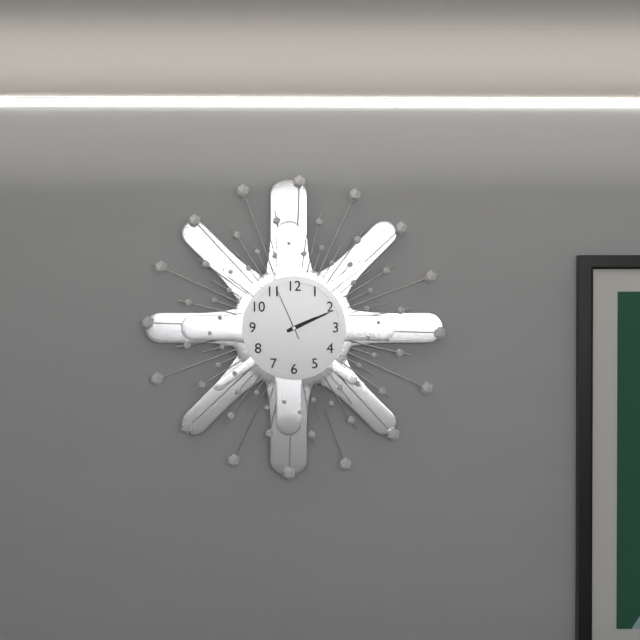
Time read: 2.11.56
